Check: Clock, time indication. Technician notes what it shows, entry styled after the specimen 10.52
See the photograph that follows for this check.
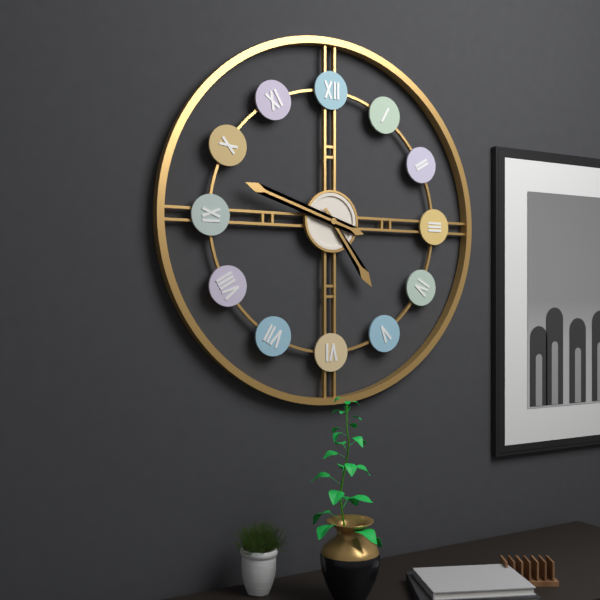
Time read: 4.48
